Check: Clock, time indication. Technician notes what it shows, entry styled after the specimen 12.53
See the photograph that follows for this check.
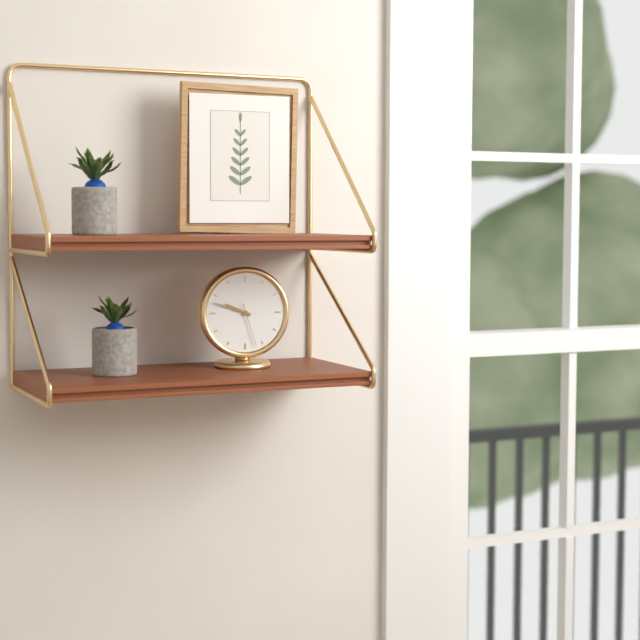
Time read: 9.48
